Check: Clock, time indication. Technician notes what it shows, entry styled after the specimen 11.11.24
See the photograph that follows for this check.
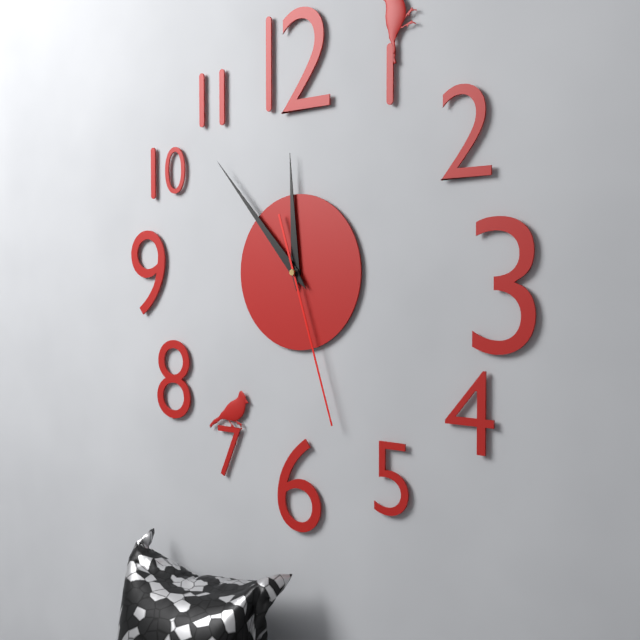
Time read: 11.53.27
